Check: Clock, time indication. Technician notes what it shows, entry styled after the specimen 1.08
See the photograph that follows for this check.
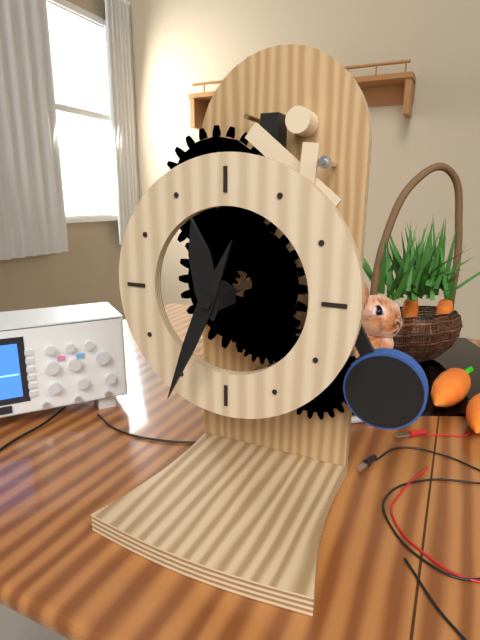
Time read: 11.34
